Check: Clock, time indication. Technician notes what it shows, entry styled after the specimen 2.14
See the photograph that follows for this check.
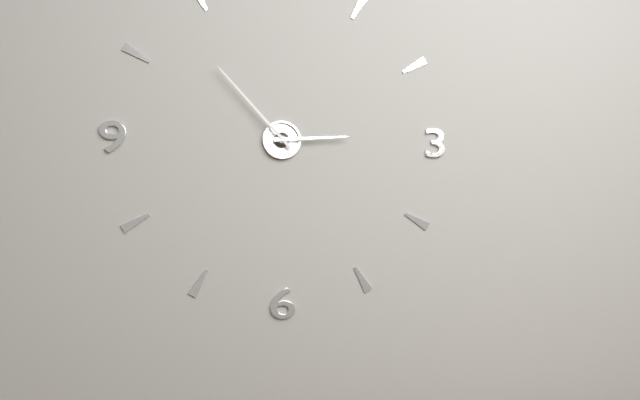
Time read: 2.53
